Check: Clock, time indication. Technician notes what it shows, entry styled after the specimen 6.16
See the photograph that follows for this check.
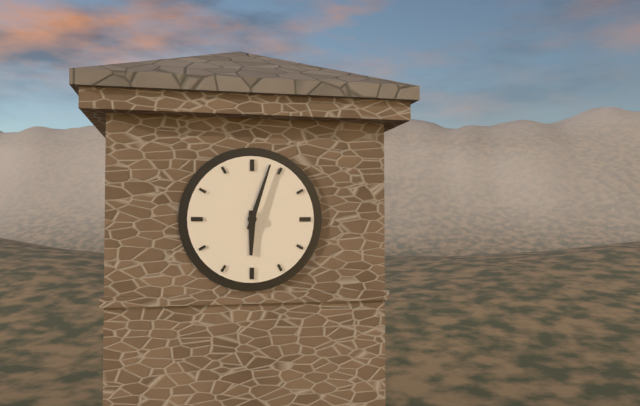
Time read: 6.03
